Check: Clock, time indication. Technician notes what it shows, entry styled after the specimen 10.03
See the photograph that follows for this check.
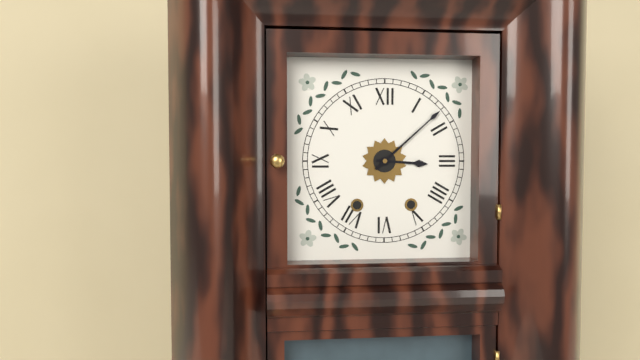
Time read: 3.08
